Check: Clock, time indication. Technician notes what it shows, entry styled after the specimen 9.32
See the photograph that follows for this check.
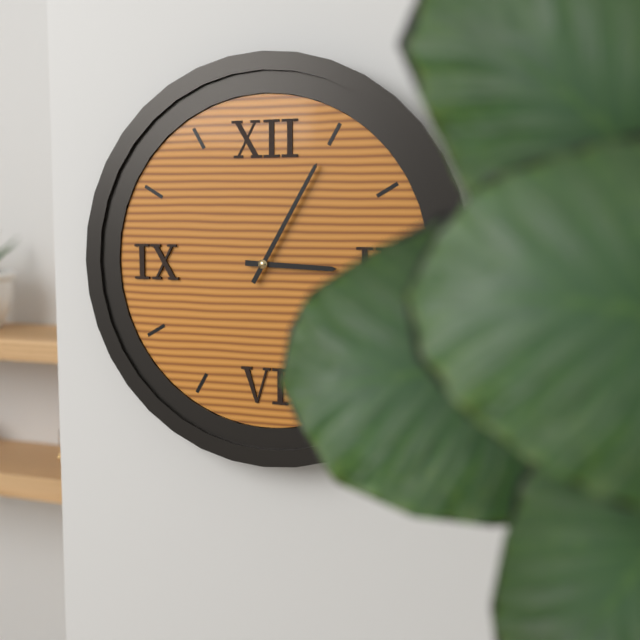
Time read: 3.05
